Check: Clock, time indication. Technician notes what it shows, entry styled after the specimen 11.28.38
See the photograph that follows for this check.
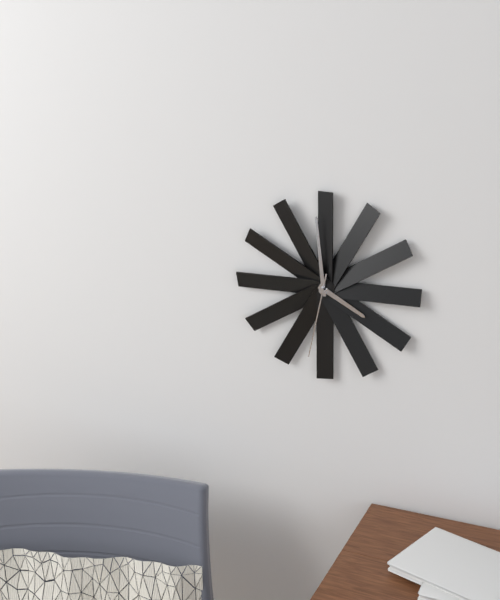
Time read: 3.59.32
